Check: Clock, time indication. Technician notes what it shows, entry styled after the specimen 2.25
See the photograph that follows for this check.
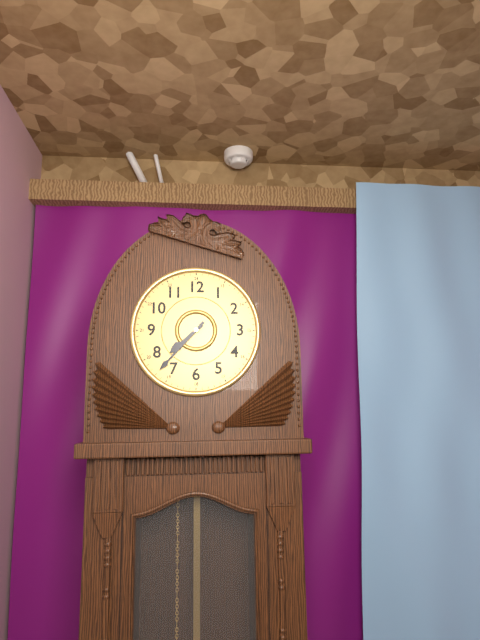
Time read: 7.37
